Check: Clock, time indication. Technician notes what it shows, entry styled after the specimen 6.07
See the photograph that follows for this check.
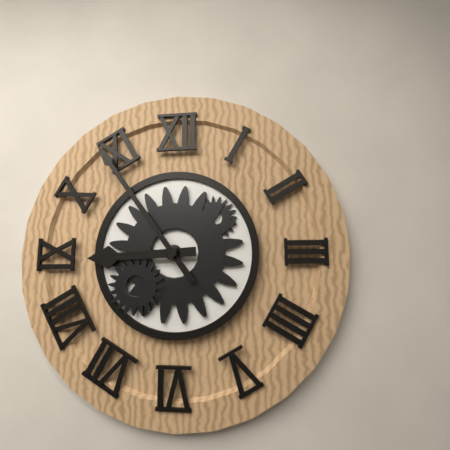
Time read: 8.54
